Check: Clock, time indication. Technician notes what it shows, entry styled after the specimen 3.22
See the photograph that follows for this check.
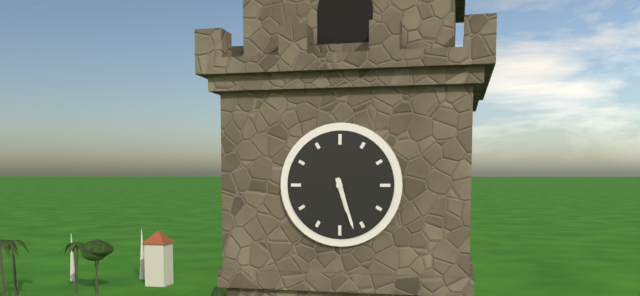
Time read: 5.27
